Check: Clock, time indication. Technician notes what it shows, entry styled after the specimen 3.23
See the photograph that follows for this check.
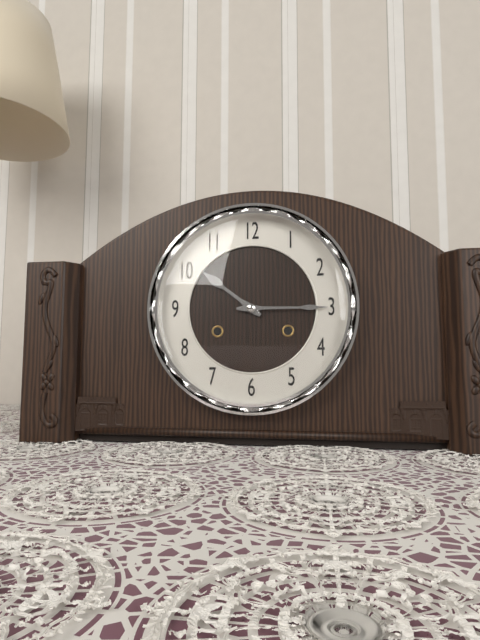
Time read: 10.15
